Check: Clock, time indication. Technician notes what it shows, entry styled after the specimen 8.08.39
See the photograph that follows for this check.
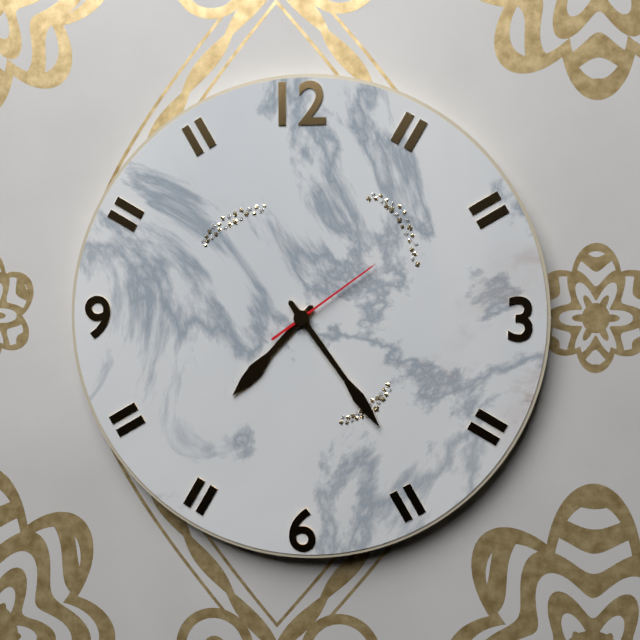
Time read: 7.24.09
